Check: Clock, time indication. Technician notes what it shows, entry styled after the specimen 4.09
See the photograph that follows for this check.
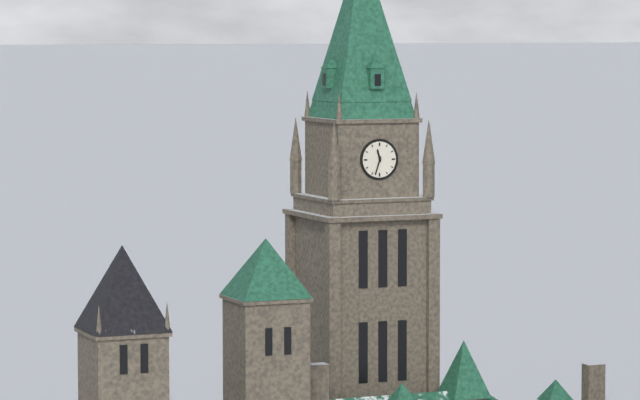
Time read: 11.33
